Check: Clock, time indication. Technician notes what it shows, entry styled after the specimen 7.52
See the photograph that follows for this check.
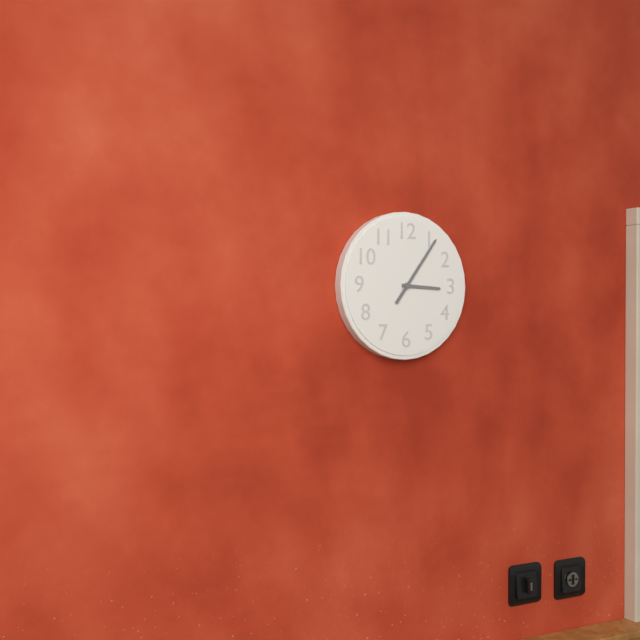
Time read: 3.06
